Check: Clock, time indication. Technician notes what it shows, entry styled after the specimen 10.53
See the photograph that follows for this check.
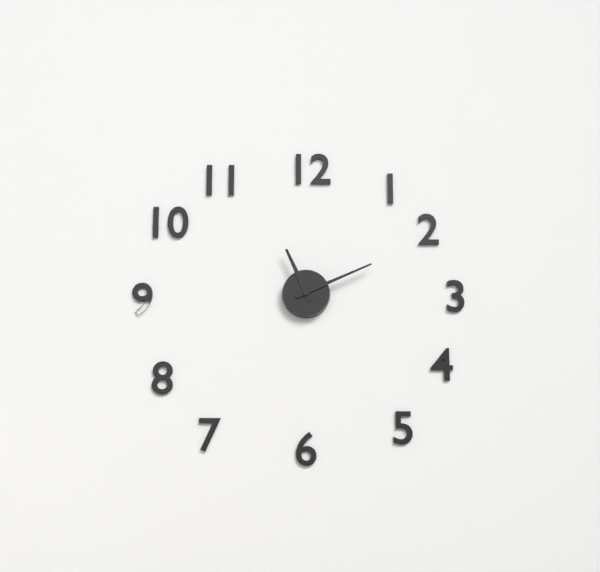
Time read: 11.11
